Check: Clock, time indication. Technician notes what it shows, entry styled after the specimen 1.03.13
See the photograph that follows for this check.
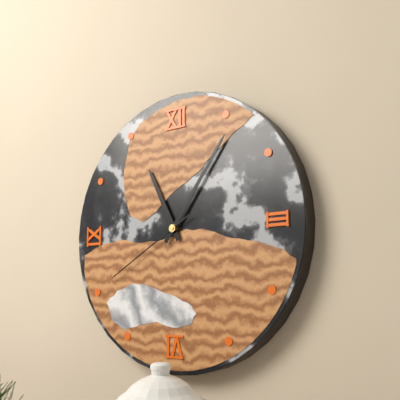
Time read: 11.06.40
